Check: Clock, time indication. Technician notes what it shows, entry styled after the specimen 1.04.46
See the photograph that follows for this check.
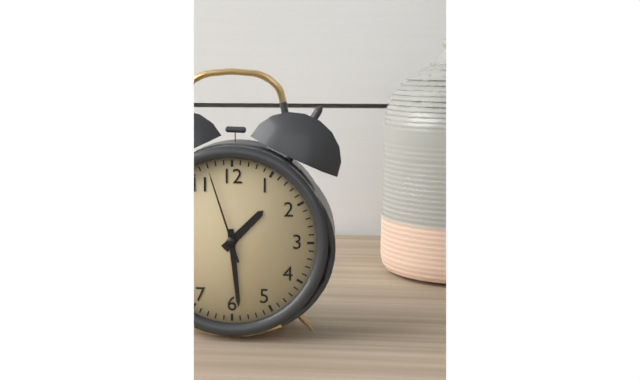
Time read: 1.29.57
